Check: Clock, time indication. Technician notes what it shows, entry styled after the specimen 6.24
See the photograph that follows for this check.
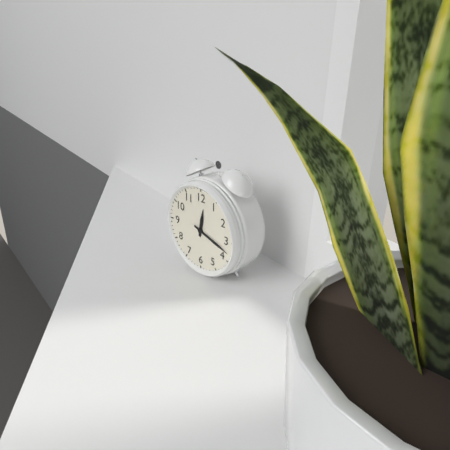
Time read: 12.18
